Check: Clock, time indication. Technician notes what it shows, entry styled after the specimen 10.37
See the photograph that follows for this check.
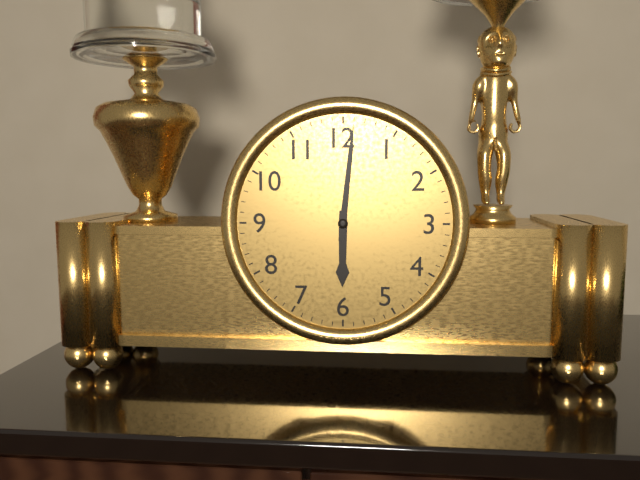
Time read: 6.01
